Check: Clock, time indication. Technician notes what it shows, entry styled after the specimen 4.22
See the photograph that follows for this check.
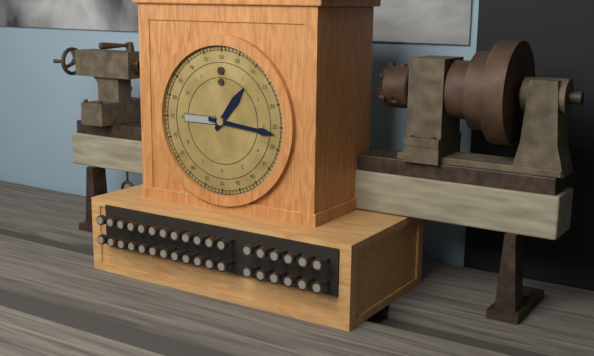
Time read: 1.16
